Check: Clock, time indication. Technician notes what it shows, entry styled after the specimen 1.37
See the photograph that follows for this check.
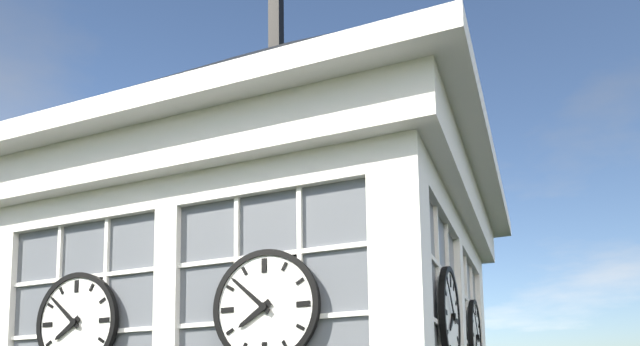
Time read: 7.52
